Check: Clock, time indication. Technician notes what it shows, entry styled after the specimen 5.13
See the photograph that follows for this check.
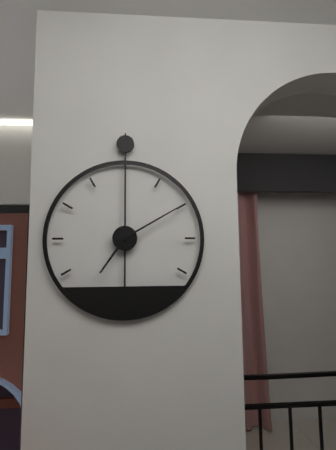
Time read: 7.10
